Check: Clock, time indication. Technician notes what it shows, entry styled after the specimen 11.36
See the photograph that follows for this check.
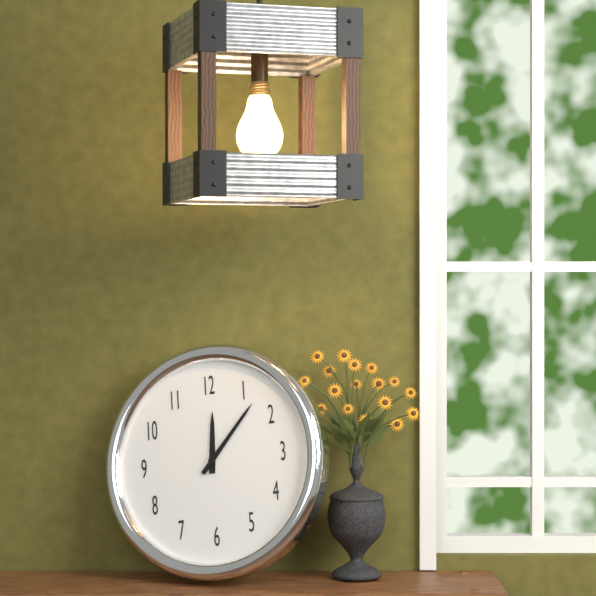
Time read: 12.07
